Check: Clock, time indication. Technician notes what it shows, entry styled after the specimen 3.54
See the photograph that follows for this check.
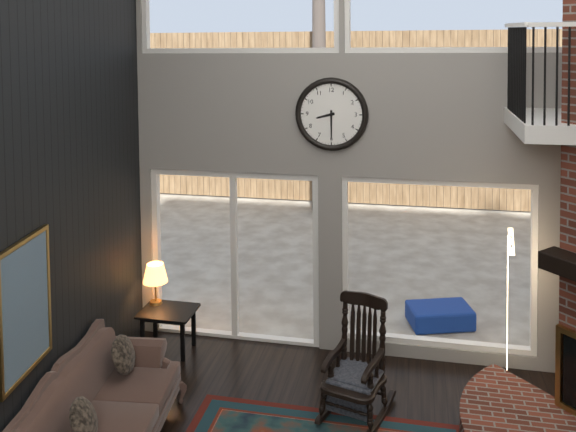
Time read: 8.30
